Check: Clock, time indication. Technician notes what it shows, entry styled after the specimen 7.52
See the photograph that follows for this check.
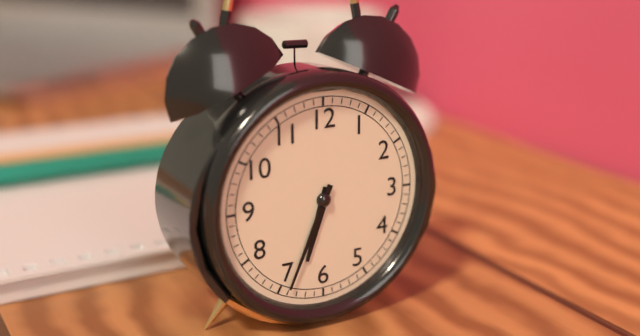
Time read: 6.34
